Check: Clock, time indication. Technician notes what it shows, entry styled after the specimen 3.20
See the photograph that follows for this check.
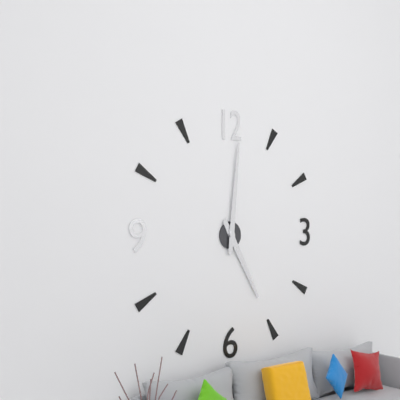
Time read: 5.01
